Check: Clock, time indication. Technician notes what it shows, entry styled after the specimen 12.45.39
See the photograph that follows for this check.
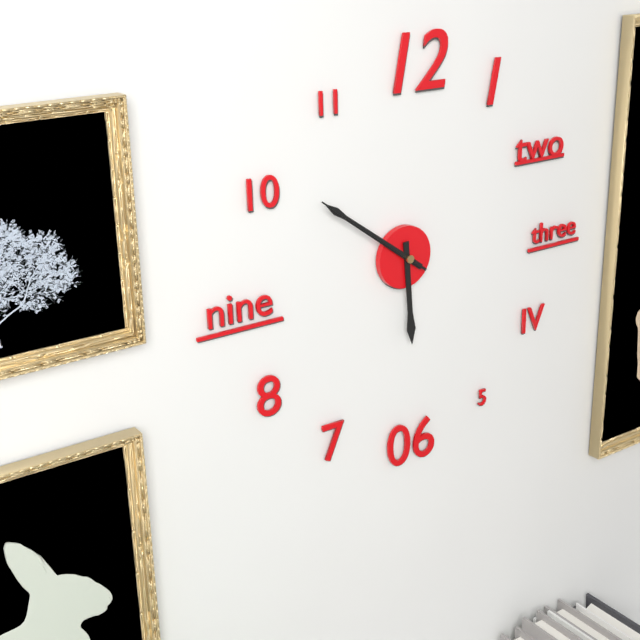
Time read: 5.51.51
